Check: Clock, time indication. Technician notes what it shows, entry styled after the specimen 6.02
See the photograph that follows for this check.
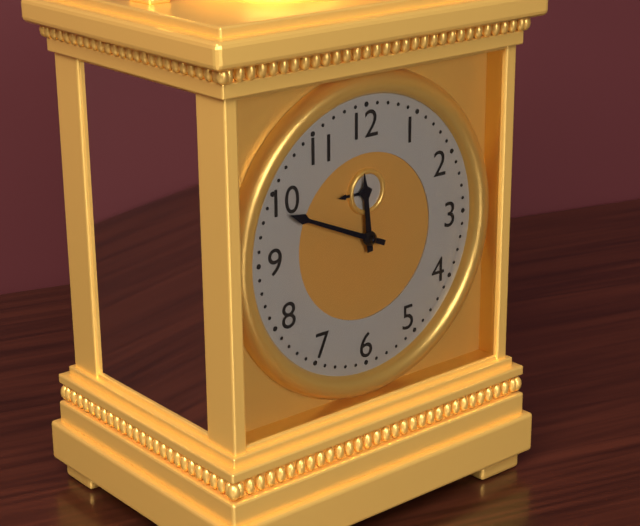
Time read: 11.49
